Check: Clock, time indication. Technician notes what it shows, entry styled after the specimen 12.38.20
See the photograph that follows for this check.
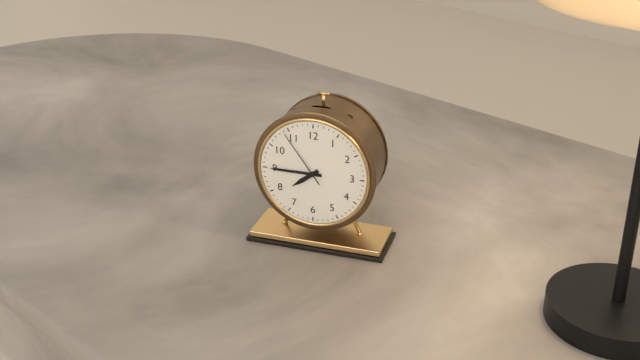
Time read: 7.45.54
